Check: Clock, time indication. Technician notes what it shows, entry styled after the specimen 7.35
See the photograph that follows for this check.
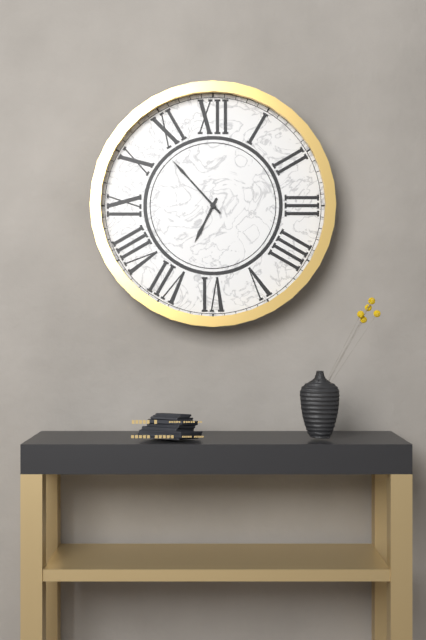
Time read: 6.53
